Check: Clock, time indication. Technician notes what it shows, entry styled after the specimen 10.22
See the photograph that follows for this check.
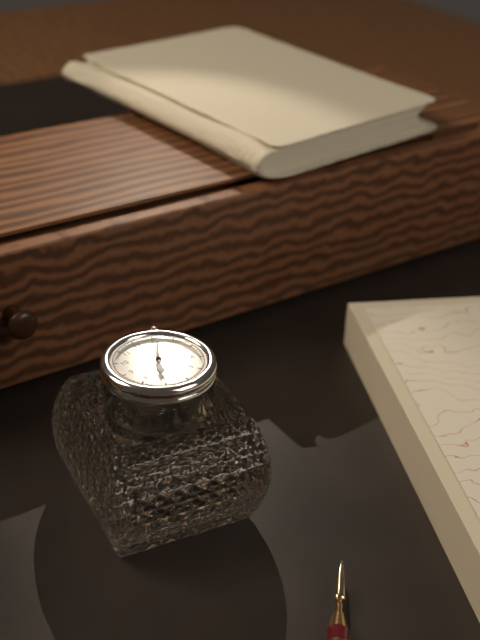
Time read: 7.06
